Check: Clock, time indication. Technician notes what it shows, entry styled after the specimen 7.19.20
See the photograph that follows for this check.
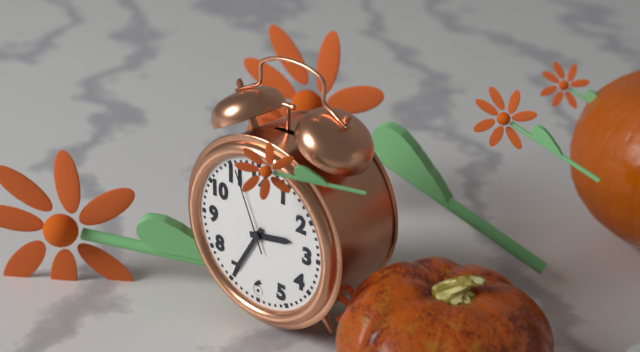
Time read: 2.35.56
